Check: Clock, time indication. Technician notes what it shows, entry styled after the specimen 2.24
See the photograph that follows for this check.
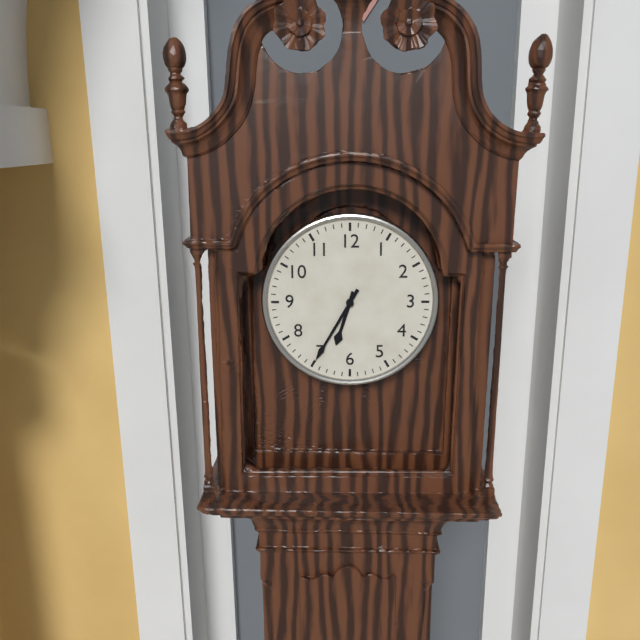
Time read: 6.35
